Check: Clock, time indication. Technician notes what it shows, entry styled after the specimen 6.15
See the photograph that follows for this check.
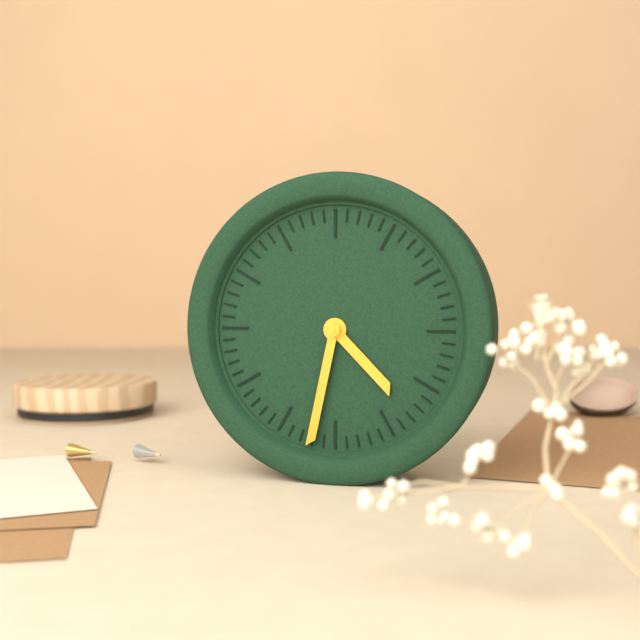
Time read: 4.32
